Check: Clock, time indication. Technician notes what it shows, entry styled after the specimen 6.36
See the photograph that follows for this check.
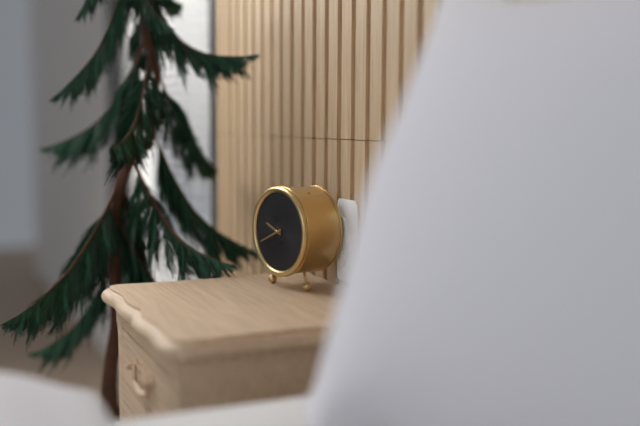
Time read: 9.41
